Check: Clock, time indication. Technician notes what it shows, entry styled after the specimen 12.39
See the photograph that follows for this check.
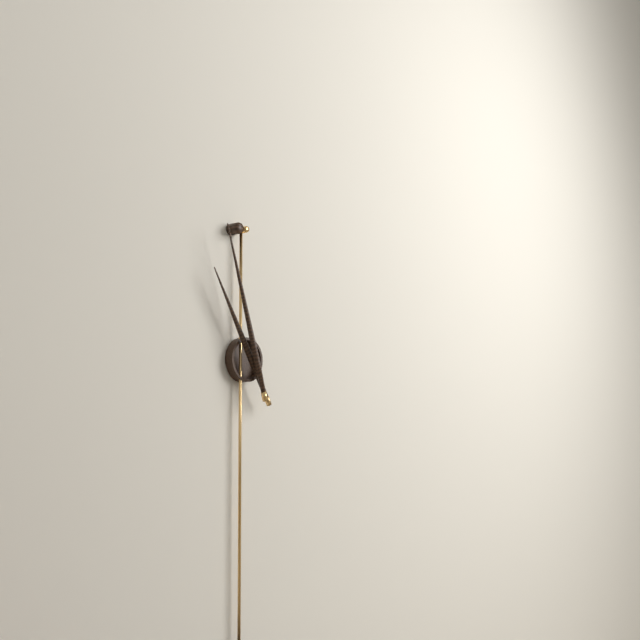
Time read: 10.57
